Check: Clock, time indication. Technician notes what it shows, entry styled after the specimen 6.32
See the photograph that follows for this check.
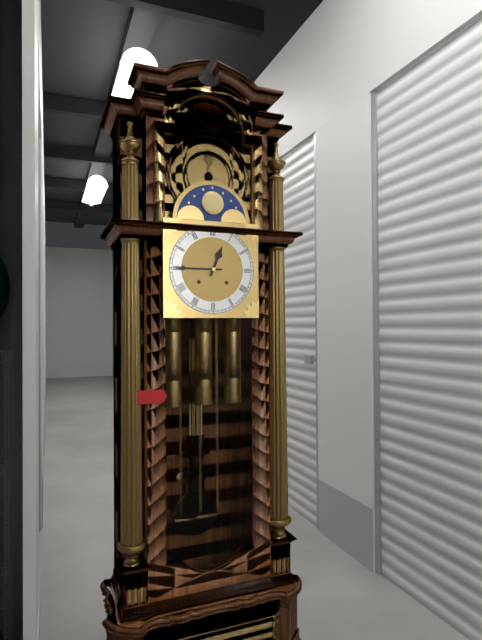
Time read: 12.45
